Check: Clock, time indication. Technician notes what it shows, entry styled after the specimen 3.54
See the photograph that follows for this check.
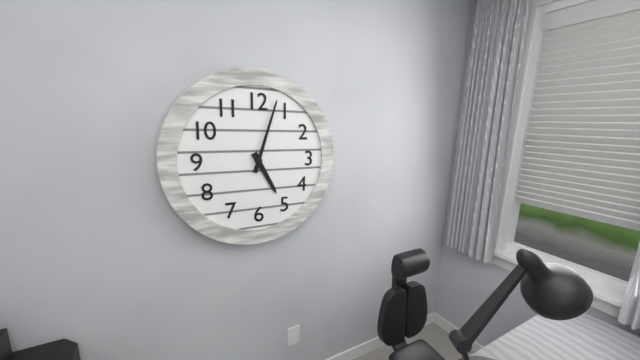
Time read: 5.03
